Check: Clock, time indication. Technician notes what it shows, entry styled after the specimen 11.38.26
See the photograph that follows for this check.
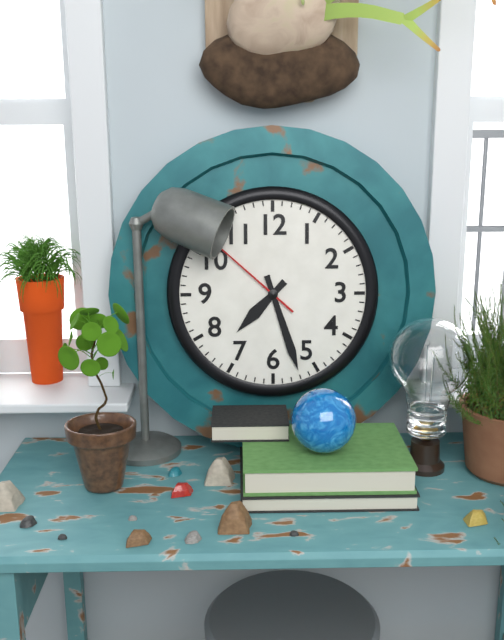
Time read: 7.27.52
